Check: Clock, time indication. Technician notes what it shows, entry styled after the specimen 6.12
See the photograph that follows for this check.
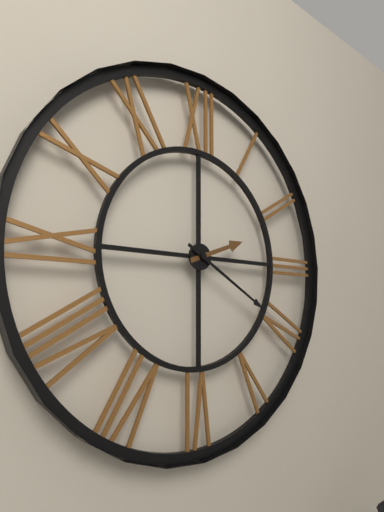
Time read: 2.20
